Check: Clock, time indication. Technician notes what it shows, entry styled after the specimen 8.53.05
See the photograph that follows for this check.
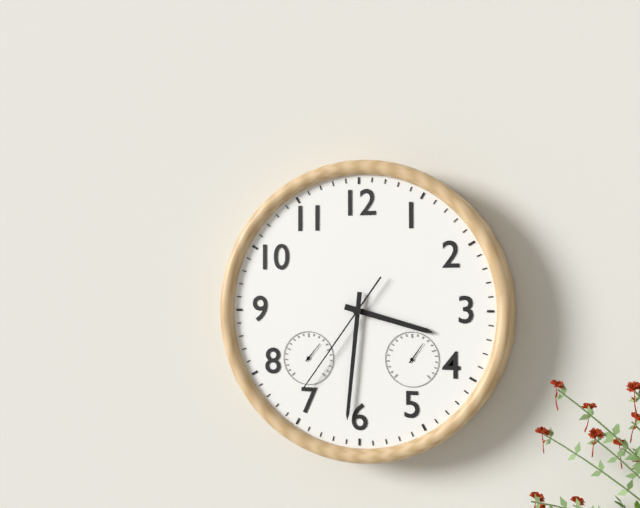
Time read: 3.31.36
